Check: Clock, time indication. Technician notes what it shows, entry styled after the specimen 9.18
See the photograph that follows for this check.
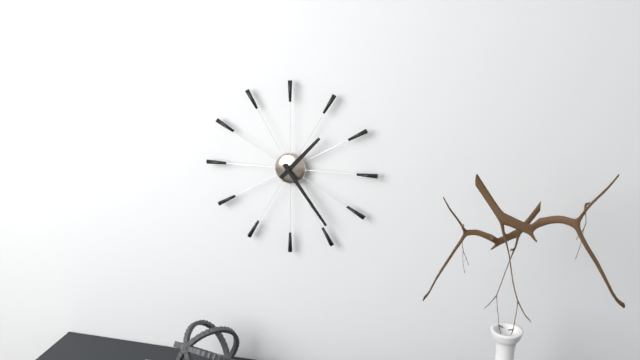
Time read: 1.24
